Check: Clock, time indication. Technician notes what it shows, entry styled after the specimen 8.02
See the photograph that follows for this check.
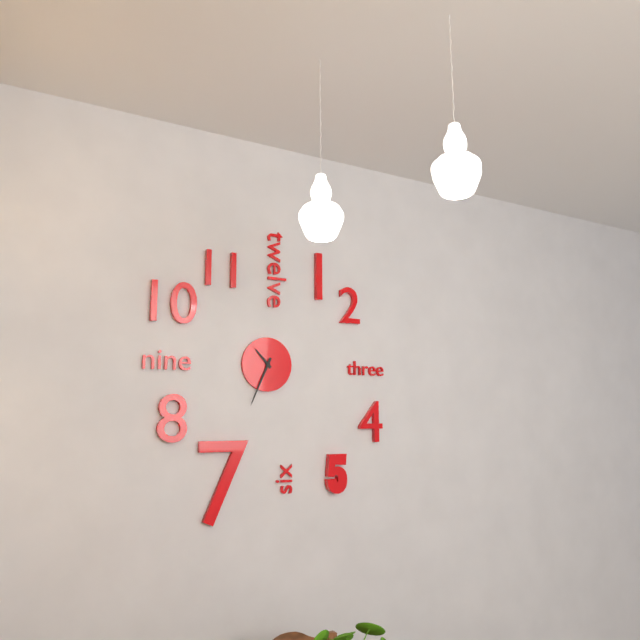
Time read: 10.34
